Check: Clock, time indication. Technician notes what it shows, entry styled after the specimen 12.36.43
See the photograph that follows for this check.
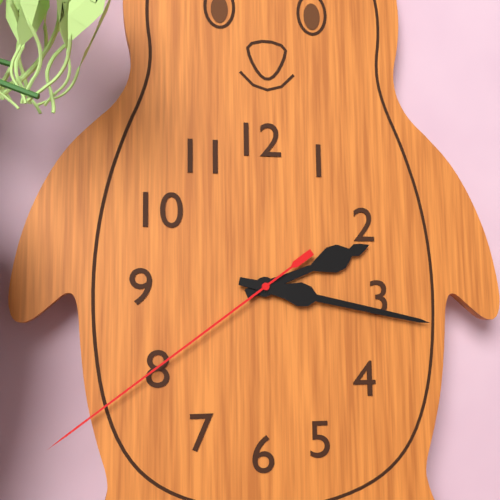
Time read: 2.17.39
